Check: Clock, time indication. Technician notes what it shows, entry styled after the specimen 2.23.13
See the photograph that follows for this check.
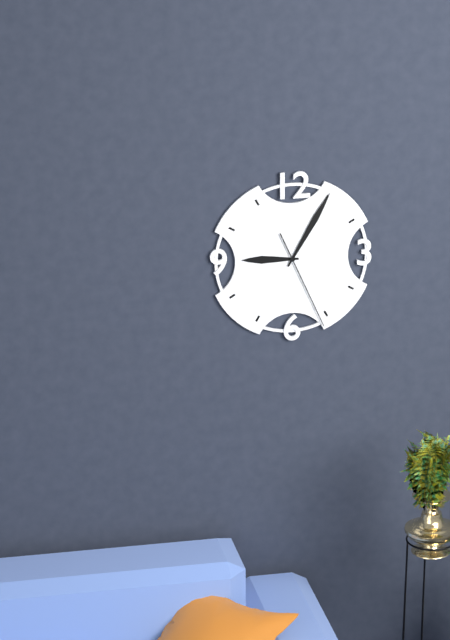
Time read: 9.05.26
